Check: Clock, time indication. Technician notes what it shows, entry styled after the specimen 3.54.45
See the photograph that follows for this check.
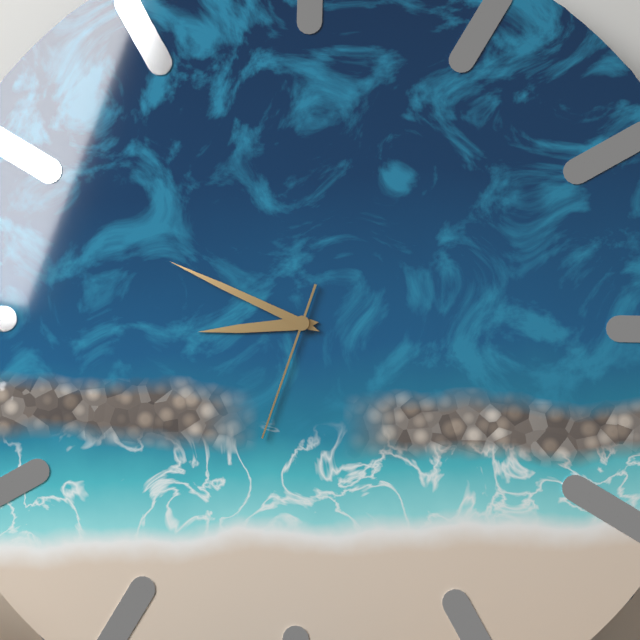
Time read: 8.49.33
